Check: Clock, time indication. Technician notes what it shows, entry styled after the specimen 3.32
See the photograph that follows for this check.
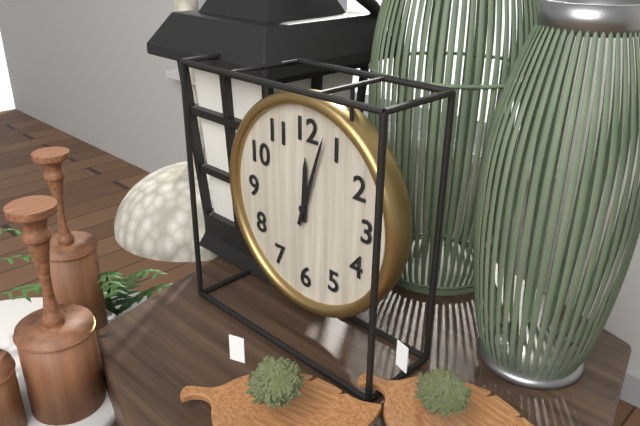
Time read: 12.03
